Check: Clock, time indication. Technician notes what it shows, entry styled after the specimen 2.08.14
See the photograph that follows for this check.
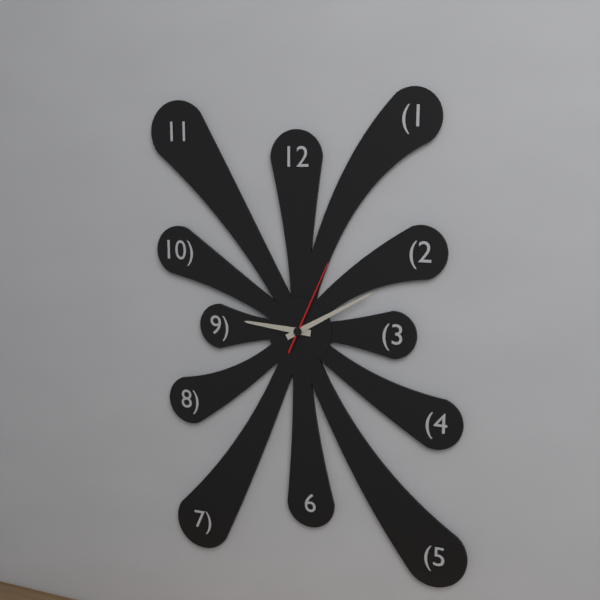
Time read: 9.10.04
